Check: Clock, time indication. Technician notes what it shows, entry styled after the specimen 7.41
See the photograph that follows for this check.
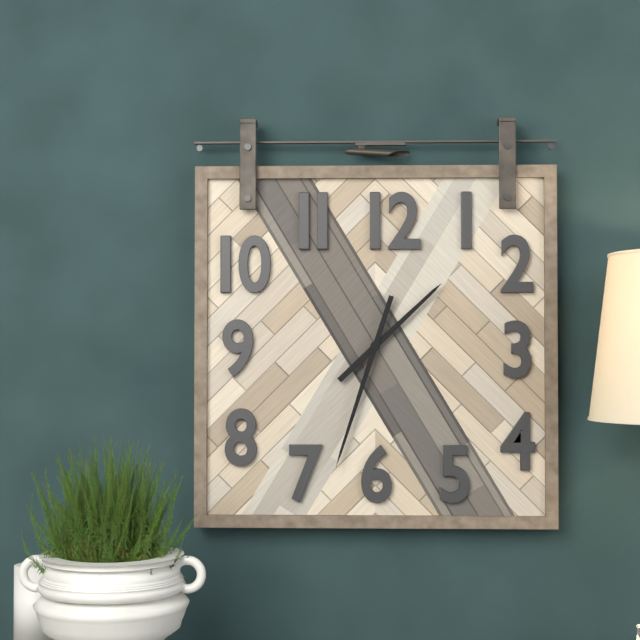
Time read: 1.33
